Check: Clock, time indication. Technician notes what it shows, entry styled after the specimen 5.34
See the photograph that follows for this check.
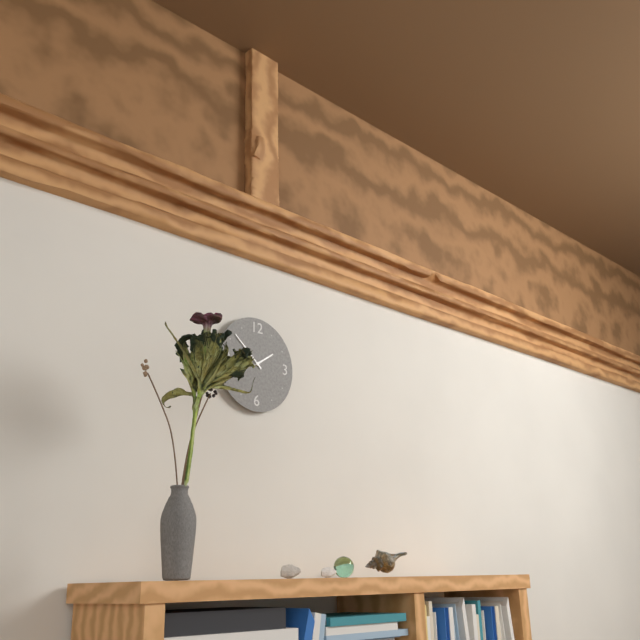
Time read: 1.52
